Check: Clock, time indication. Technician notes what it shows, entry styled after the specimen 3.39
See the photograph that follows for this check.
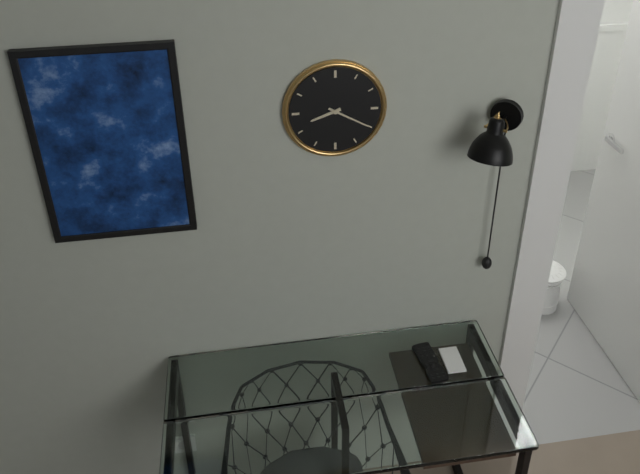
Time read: 8.20
